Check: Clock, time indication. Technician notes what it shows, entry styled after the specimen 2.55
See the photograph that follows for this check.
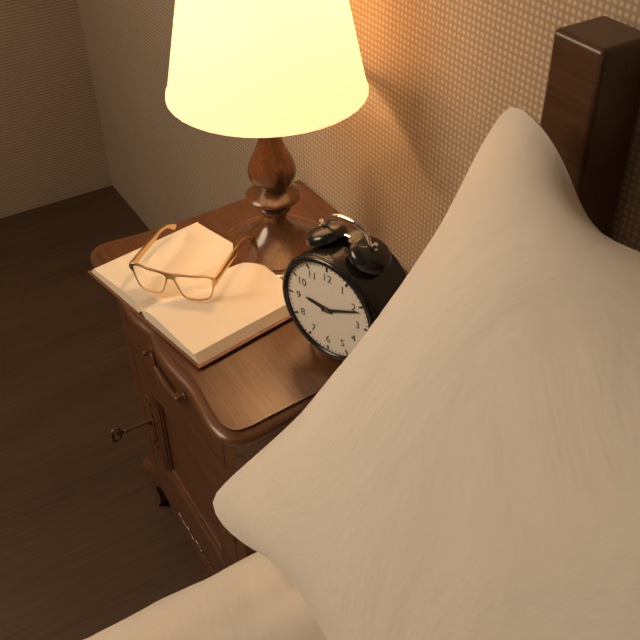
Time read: 9.11
